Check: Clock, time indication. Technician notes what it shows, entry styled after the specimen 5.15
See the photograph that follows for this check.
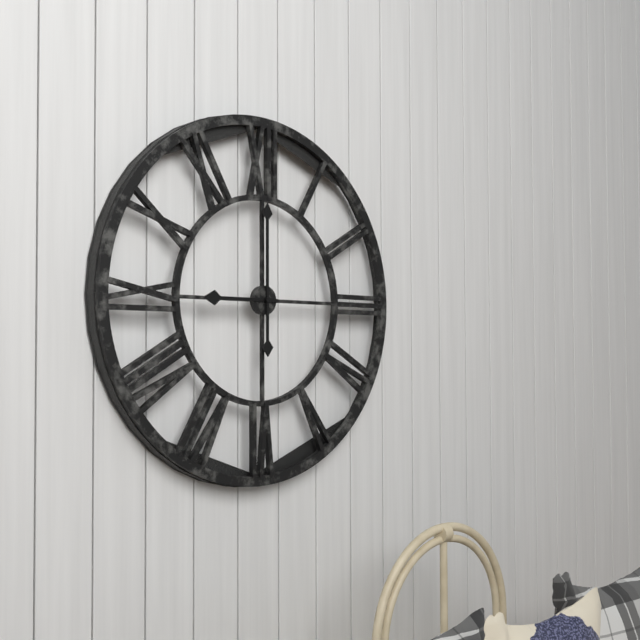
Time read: 9.00
